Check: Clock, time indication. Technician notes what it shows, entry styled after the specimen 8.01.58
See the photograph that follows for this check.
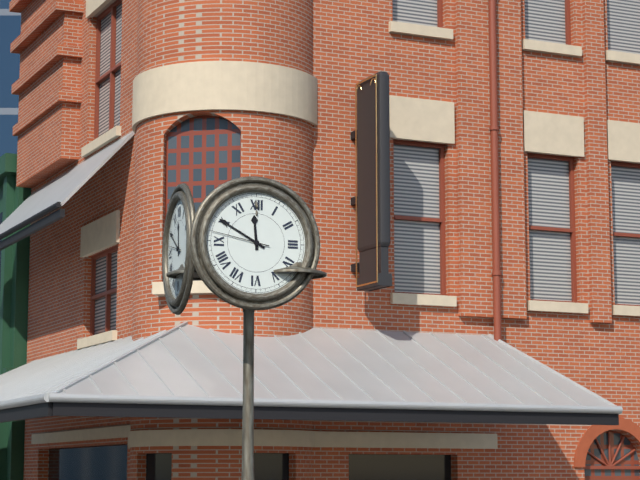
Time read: 11.50.47
